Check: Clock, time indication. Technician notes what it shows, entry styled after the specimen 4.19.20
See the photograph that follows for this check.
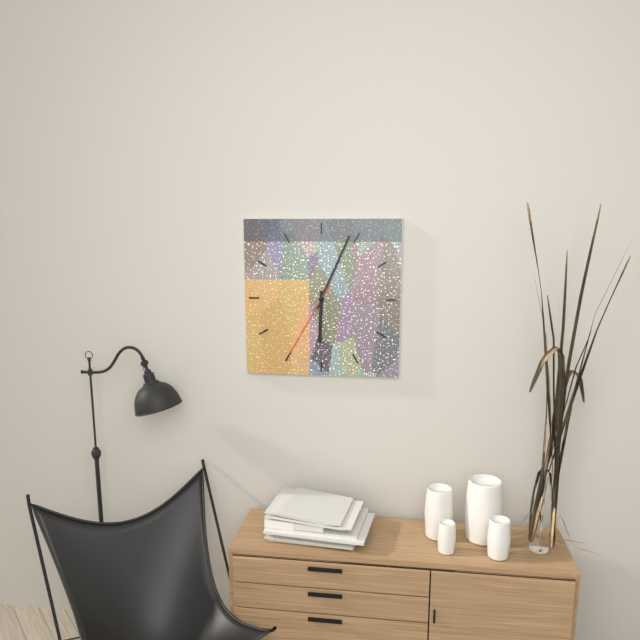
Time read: 6.04.35
